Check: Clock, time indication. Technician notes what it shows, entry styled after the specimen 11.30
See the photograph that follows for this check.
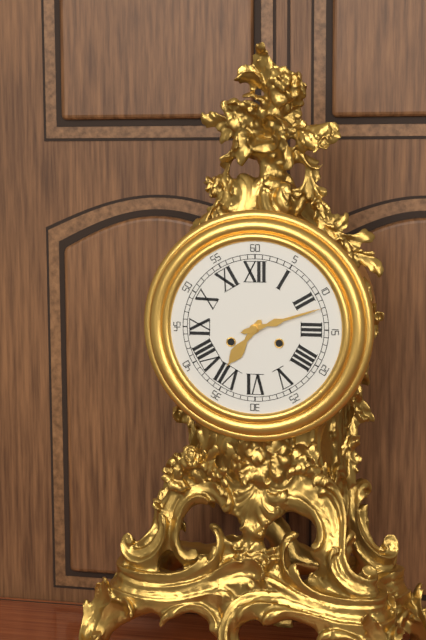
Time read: 7.12
